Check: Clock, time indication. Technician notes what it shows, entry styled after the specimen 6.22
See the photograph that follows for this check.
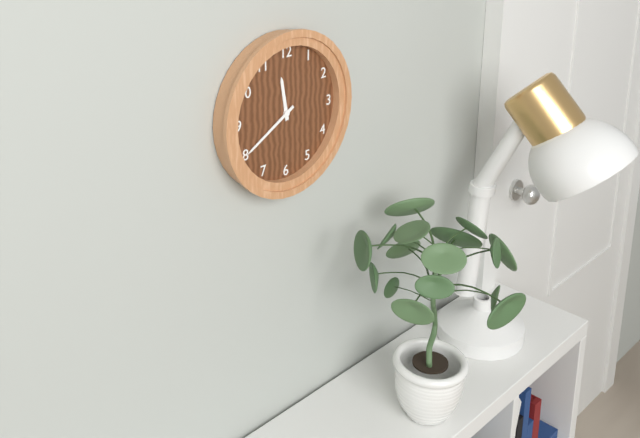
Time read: 11.40
